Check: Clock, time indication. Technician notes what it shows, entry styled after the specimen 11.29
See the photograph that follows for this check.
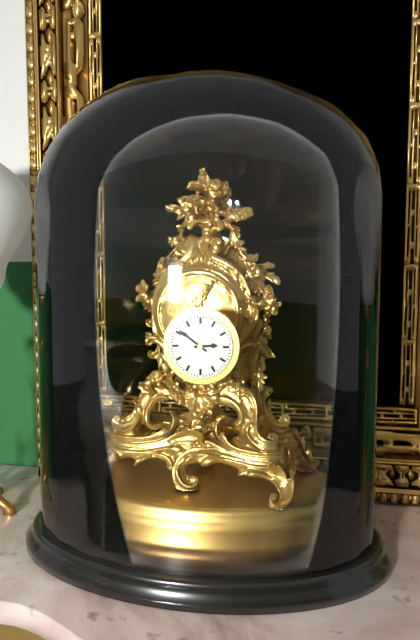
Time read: 2.51
